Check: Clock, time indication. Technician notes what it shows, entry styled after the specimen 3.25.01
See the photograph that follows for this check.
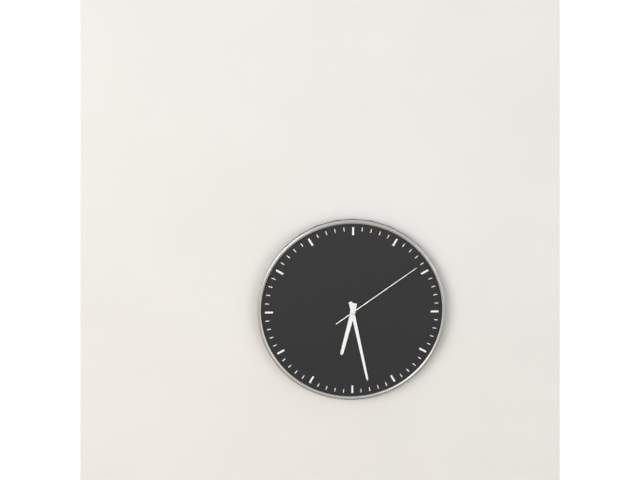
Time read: 6.28.09
